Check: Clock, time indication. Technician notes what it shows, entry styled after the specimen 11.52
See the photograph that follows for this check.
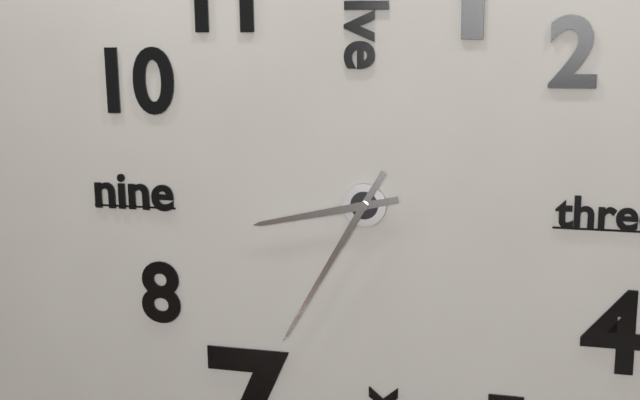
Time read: 8.35
